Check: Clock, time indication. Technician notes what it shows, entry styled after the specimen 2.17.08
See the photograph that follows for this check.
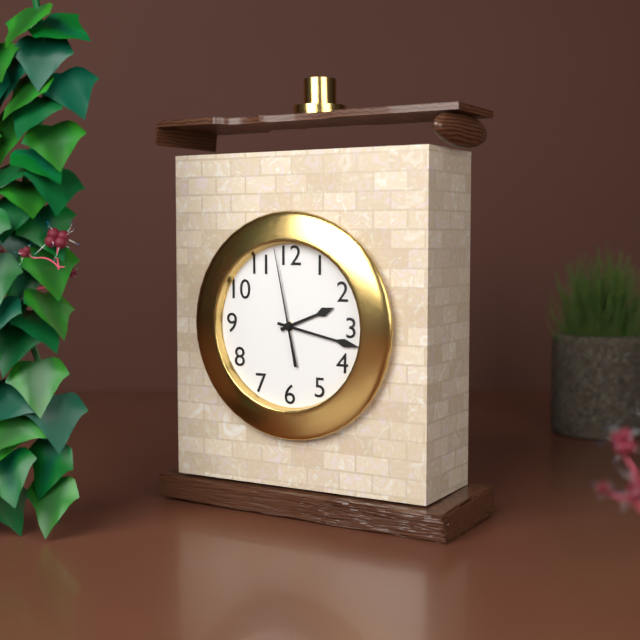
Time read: 2.17.58
